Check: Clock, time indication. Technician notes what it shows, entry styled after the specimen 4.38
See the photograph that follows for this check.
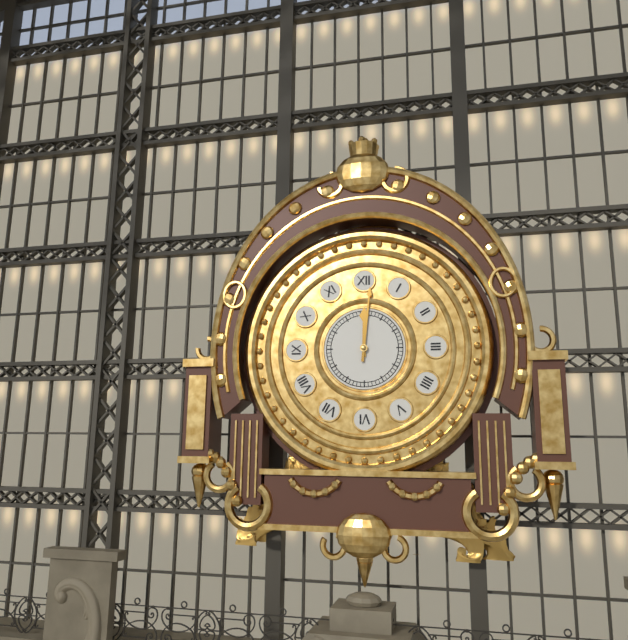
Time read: 12.01
